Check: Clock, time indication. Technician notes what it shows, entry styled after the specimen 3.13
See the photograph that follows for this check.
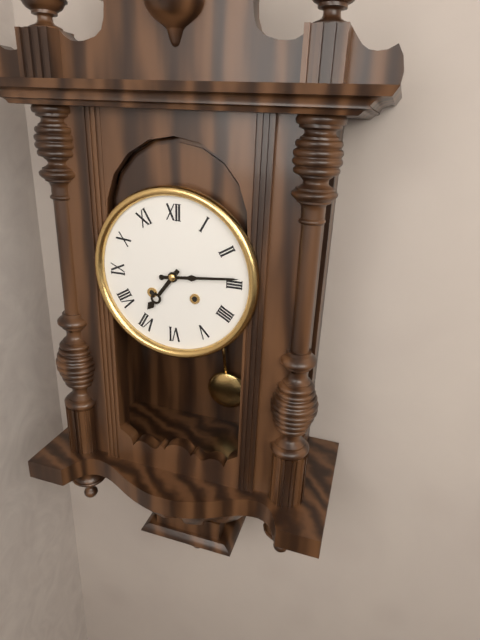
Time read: 7.14
